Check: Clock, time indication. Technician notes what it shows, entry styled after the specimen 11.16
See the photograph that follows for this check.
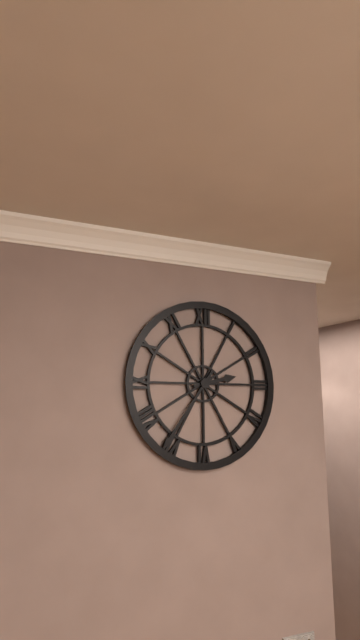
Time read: 2.36
